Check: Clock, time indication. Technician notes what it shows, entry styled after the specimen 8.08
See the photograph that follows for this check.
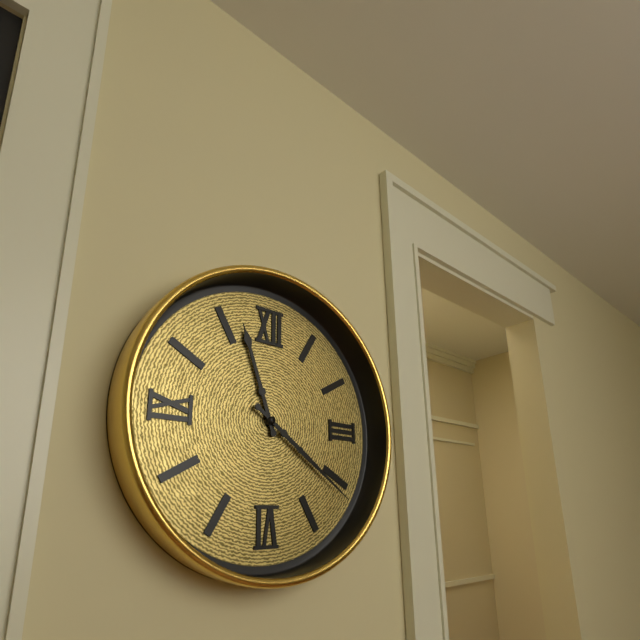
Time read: 11.21
